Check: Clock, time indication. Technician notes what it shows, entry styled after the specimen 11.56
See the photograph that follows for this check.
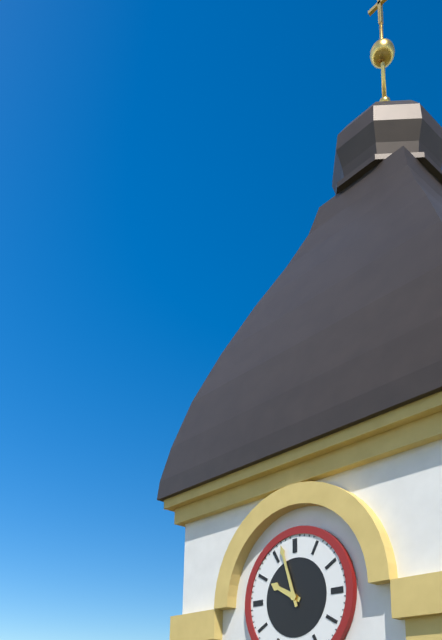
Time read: 9.57
